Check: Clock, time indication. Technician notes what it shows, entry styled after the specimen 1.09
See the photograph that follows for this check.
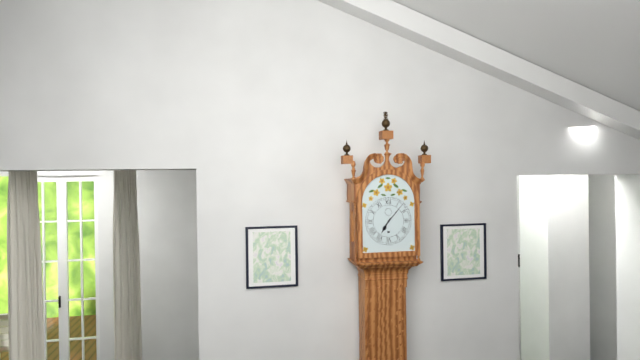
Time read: 7.07
